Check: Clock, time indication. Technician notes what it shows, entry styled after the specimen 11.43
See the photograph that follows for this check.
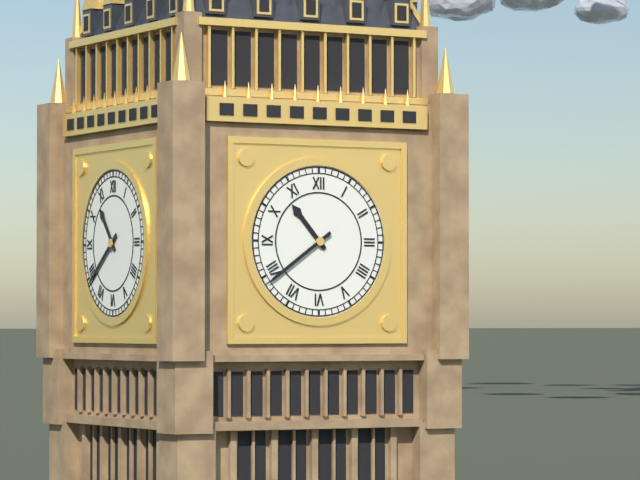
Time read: 10.39
